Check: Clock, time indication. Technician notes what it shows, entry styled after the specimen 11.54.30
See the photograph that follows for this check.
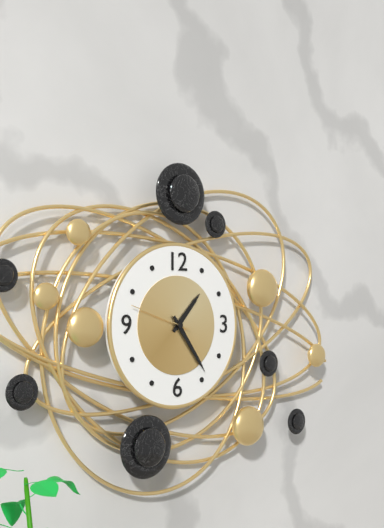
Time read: 1.24.48
